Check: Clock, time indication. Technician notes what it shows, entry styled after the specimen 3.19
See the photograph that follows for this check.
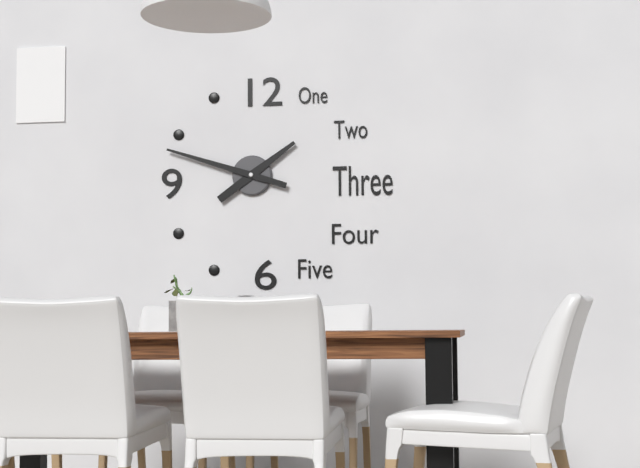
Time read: 1.48
